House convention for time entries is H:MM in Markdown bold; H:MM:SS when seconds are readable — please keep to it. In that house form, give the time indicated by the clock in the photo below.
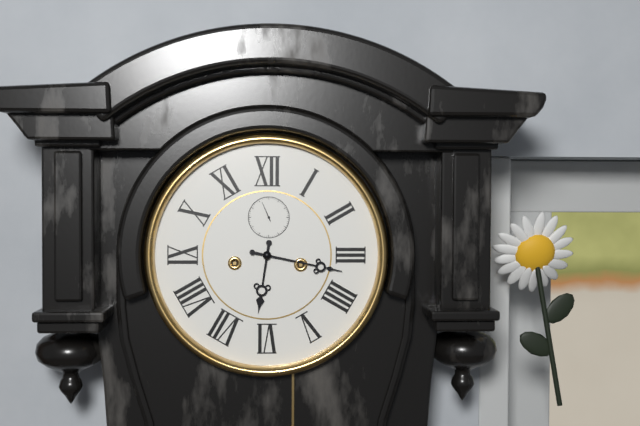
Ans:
**6:17**
